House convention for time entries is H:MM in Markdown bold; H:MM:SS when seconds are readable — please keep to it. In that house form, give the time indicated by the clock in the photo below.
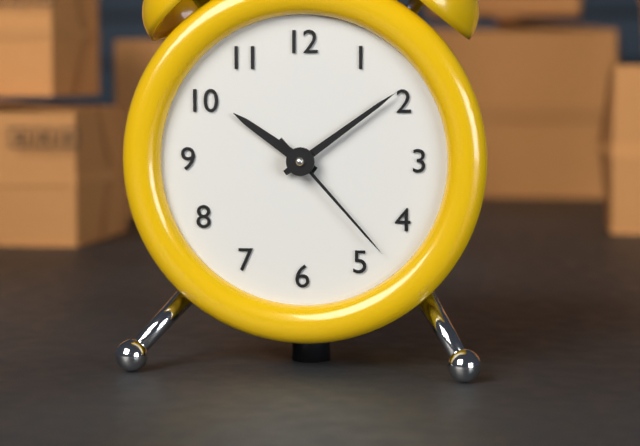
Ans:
**10:09:23**
